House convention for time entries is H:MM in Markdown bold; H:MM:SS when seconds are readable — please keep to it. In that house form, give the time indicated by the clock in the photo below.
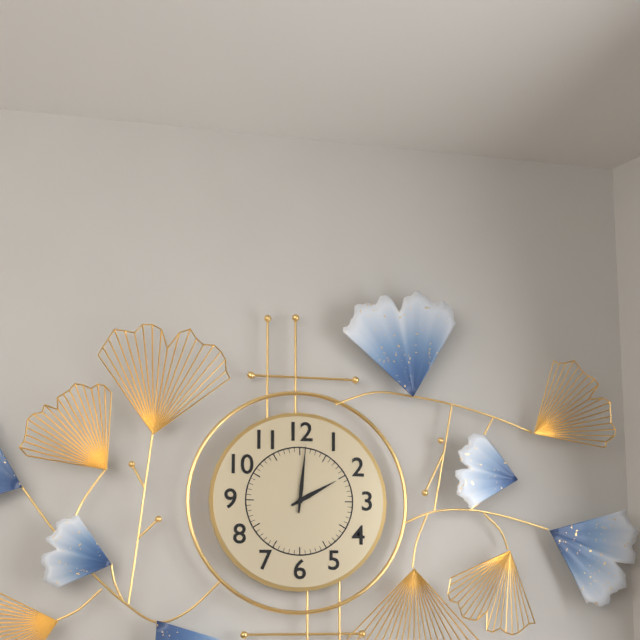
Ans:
**2:01**
